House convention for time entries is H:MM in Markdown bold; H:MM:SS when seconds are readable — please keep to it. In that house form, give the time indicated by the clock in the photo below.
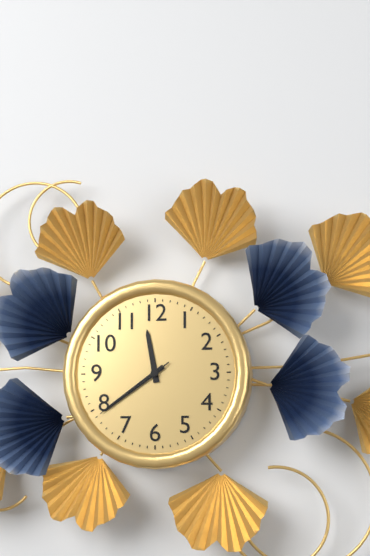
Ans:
**11:39:39**
